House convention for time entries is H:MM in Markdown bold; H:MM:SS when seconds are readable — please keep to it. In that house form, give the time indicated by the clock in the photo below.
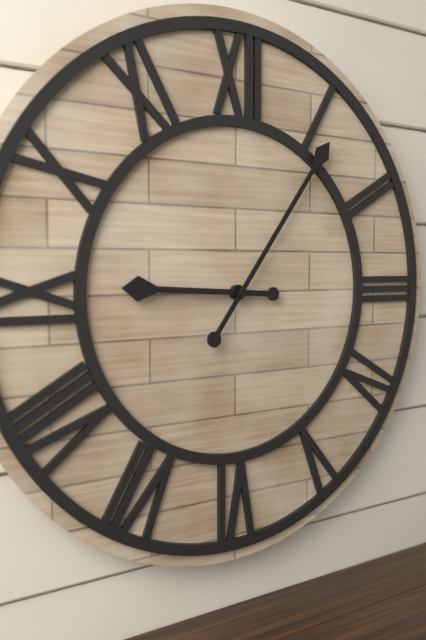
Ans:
**9:06**
